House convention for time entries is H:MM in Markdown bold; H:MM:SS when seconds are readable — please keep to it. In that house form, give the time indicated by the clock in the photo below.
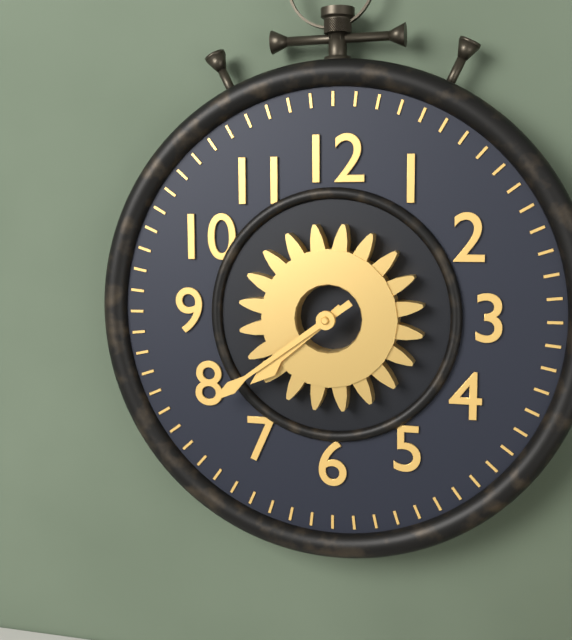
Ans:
**7:39**
